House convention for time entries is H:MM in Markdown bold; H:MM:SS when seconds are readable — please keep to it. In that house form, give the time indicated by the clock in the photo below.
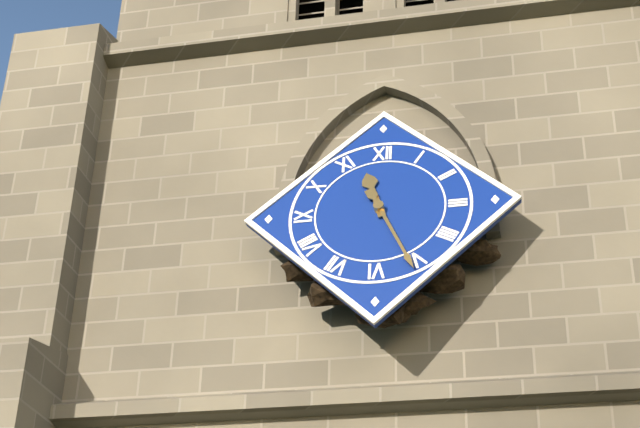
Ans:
**11:26**
